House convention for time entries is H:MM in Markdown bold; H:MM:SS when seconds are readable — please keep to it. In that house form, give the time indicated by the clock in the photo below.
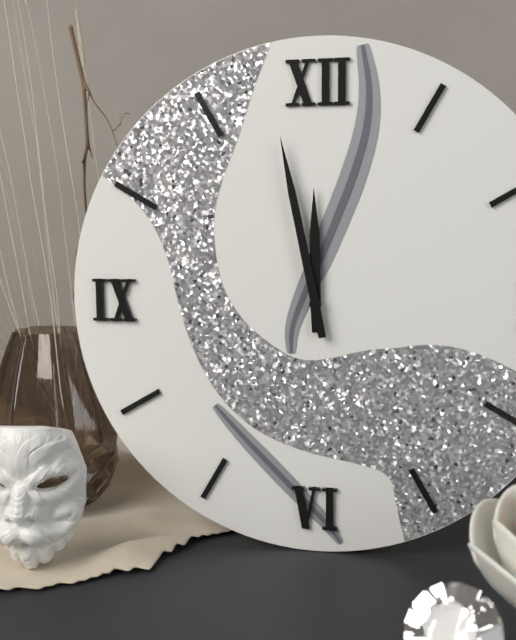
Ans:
**11:58**
